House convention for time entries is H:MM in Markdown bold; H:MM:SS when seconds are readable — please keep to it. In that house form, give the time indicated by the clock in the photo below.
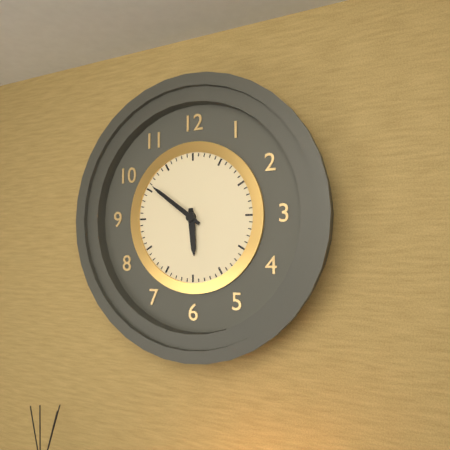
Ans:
**5:51**
